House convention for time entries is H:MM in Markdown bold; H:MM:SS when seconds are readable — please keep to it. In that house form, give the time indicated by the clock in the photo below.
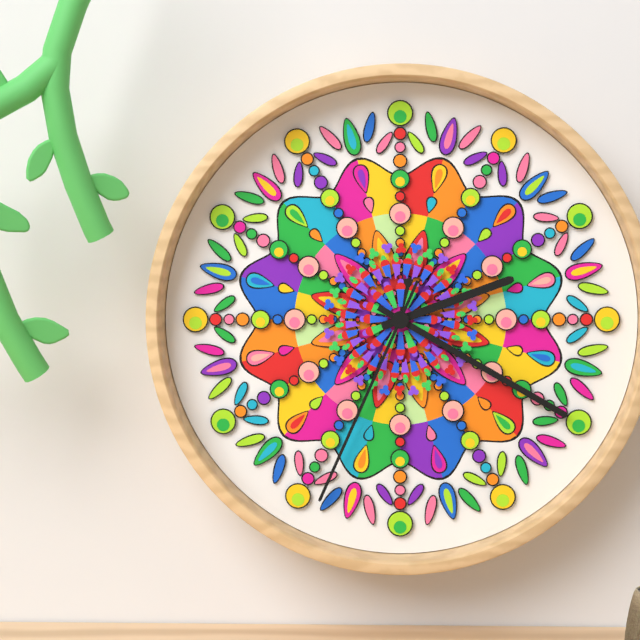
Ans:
**2:20:34**
